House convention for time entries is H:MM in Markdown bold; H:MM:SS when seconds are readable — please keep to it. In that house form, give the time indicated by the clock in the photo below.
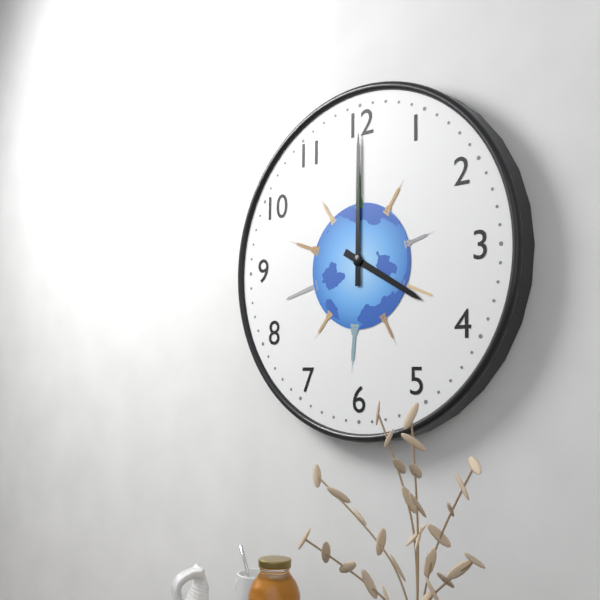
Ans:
**4:00**
